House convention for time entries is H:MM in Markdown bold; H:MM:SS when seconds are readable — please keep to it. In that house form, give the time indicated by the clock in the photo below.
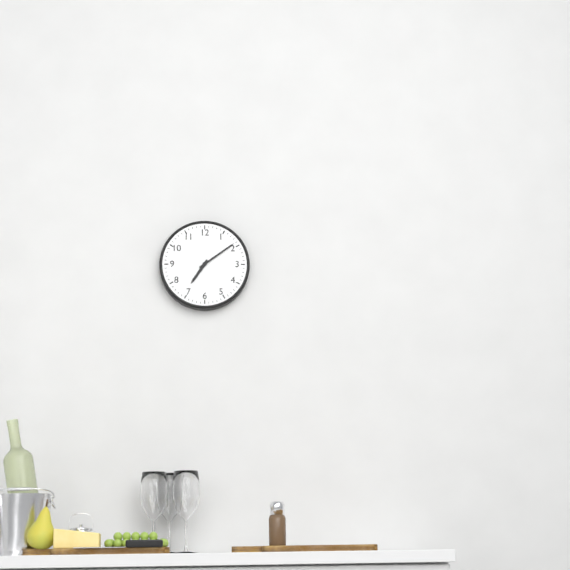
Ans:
**7:09**
